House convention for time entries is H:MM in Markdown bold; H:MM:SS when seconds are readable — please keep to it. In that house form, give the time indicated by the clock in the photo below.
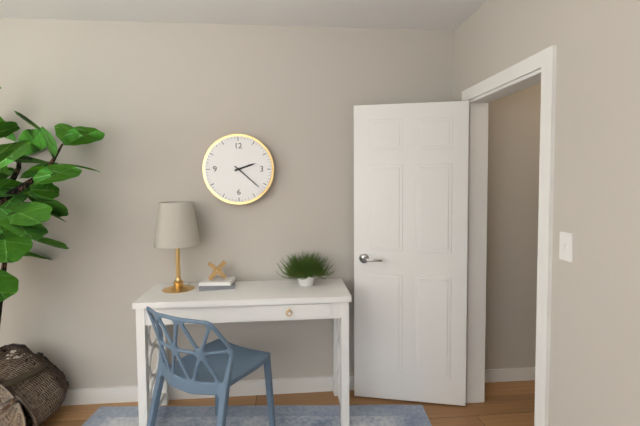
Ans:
**2:22**
